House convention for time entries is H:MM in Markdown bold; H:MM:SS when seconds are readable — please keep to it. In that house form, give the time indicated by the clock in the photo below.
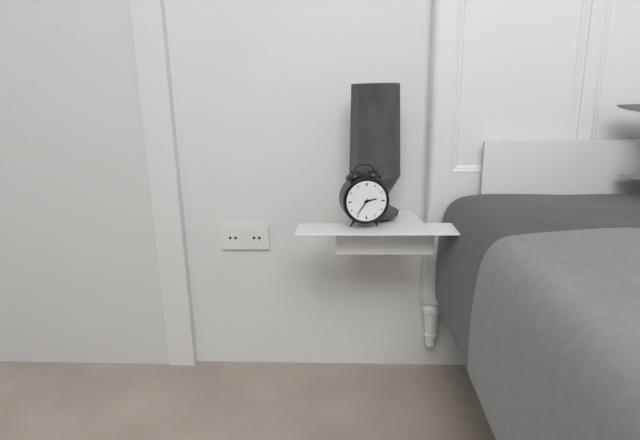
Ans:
**2:36**
